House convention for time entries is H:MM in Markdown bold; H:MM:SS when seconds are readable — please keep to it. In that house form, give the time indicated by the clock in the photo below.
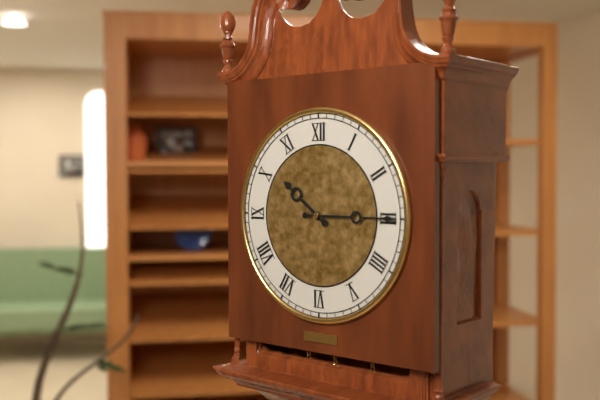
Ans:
**10:15**
